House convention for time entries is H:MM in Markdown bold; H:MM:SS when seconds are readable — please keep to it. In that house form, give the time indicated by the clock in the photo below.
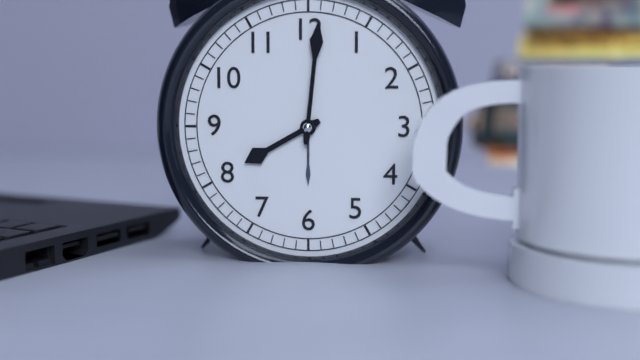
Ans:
**8:01**
